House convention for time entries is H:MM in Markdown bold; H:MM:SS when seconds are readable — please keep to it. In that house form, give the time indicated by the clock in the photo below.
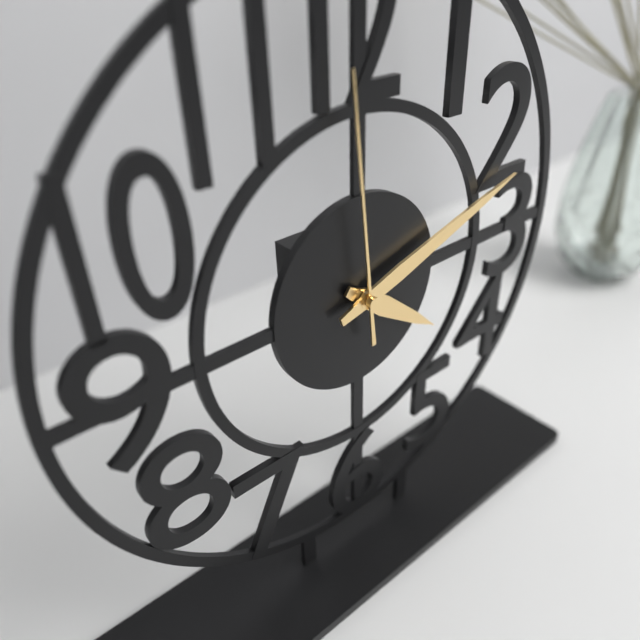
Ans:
**4:12:59**
